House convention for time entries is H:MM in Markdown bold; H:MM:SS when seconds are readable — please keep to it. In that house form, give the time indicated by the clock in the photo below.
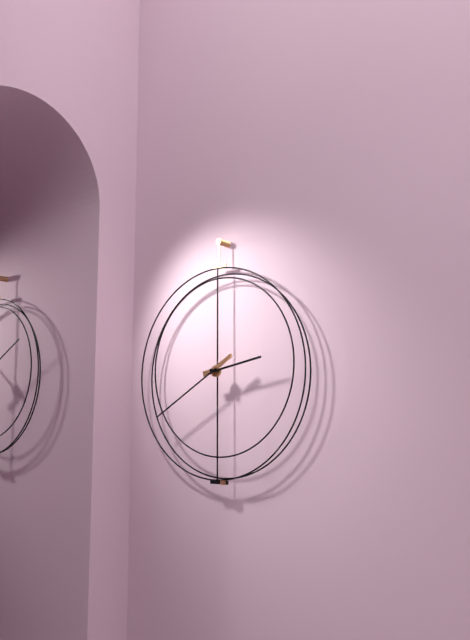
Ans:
**2:40**
